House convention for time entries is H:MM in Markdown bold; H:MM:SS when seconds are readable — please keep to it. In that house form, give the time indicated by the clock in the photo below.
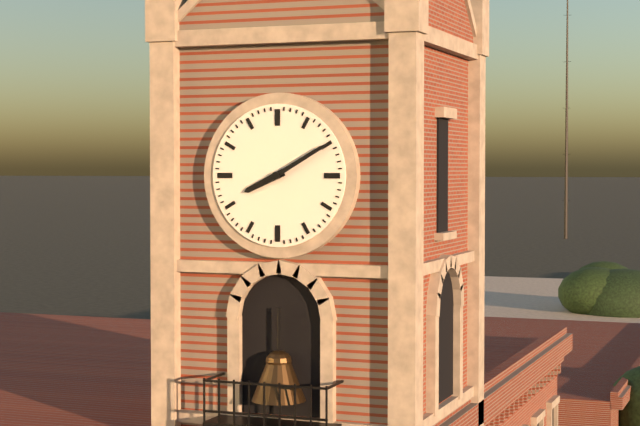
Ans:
**8:10**
